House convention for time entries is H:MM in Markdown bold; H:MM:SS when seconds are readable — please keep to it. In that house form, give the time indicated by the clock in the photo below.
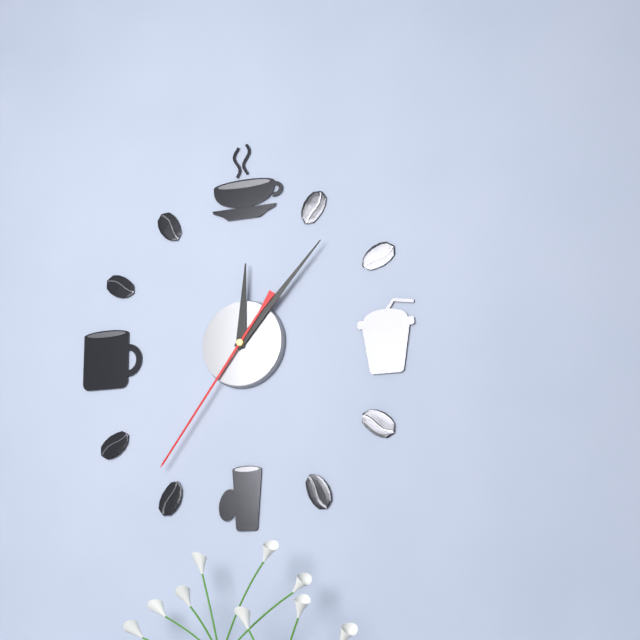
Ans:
**12:07:36**
